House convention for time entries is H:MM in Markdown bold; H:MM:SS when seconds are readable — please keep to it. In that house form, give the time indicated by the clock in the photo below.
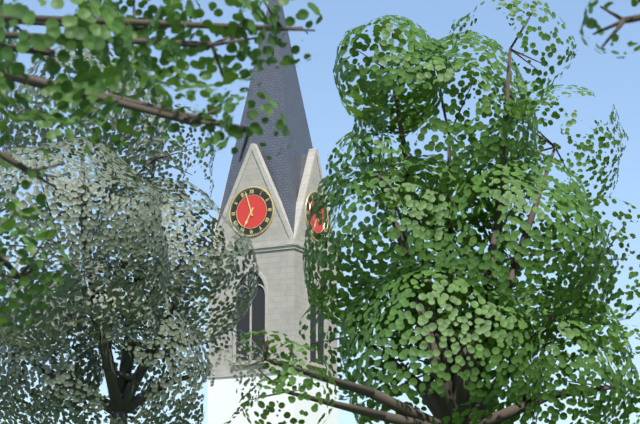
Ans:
**6:57**
